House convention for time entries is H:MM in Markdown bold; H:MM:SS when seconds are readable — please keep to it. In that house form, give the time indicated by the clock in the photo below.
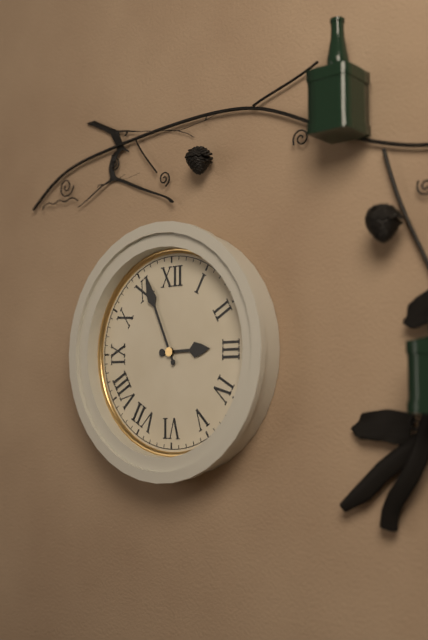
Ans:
**2:56**
